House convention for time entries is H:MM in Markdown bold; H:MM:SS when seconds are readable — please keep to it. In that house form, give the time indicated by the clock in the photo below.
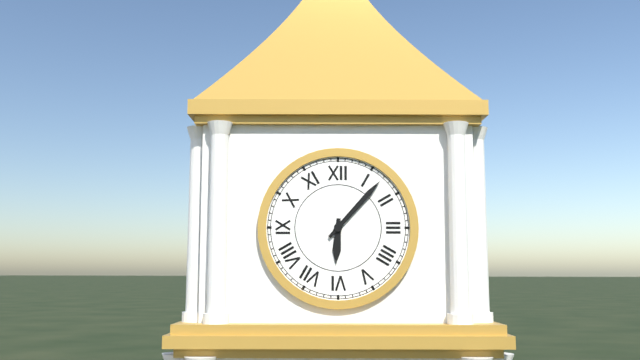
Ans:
**6:07**
